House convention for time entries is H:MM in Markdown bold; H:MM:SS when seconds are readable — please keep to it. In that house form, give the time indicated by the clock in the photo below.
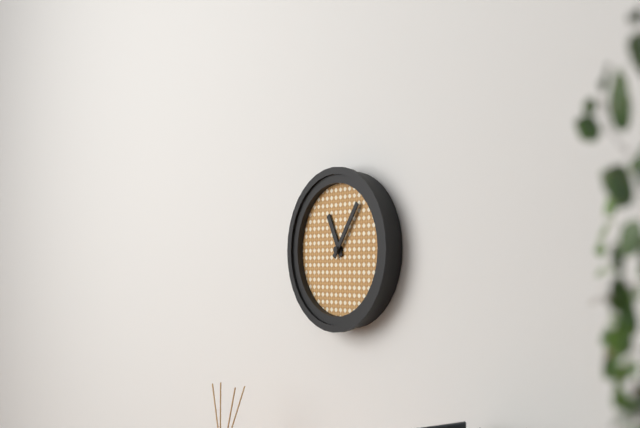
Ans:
**11:06**
